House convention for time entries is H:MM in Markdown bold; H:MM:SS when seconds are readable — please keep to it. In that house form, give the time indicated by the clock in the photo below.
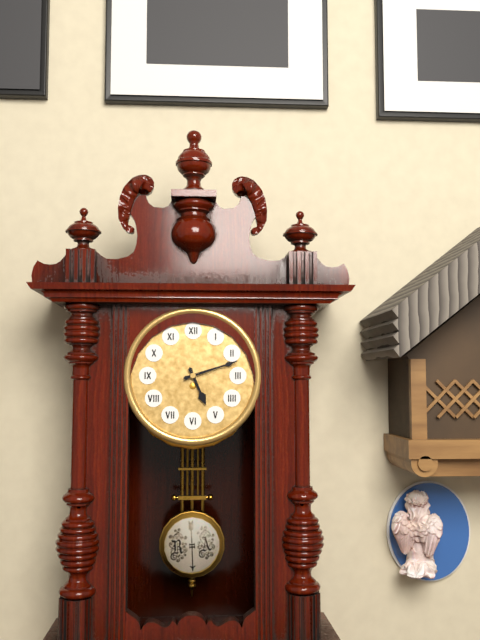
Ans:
**5:12**
